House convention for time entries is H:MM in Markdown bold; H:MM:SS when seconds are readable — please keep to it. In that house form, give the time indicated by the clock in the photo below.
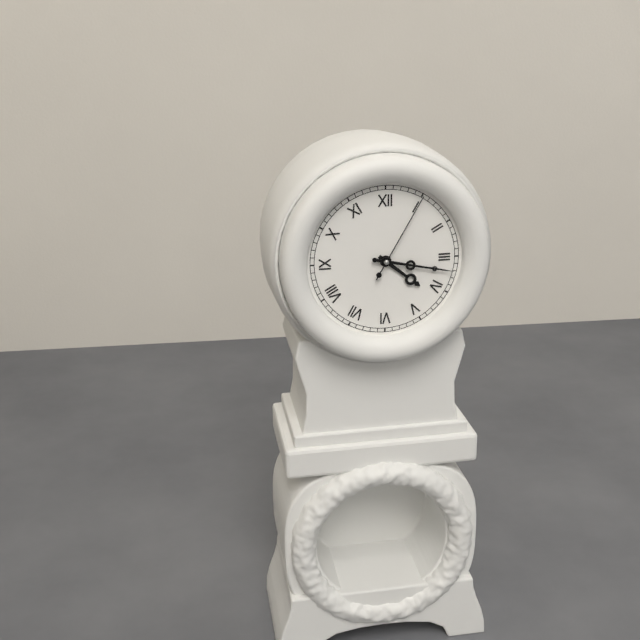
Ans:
**4:17:05**
